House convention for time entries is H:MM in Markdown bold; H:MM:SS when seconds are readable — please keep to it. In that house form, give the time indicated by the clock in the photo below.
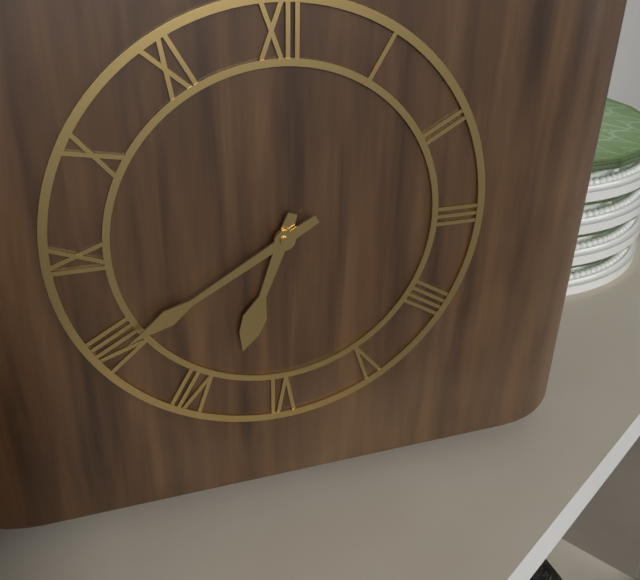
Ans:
**6:40**
